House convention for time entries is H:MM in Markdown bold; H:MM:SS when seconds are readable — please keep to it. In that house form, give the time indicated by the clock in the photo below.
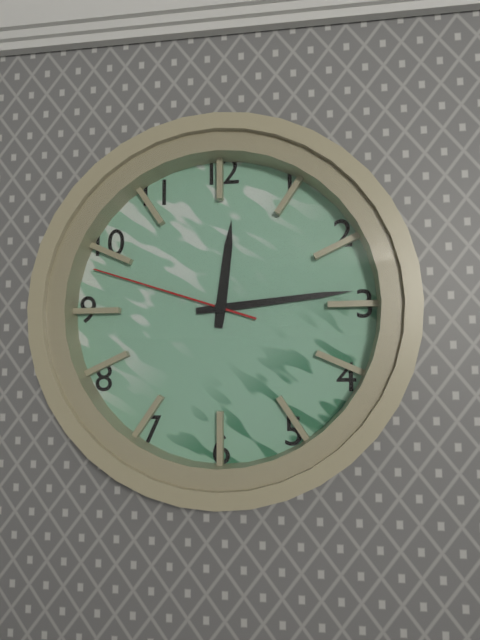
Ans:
**12:14:48**
